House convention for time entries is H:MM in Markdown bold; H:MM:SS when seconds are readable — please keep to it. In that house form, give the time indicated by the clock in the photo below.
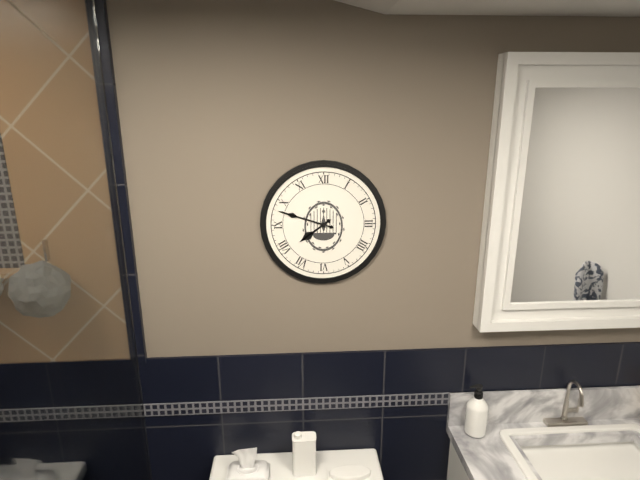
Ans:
**7:48**
